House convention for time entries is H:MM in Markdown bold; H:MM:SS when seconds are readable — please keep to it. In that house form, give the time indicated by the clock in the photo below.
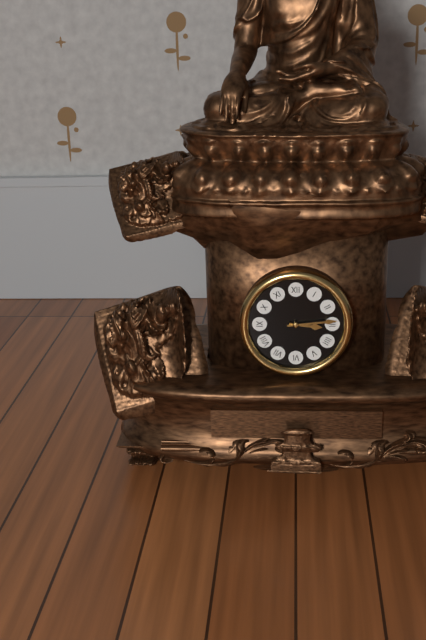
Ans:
**3:14**
